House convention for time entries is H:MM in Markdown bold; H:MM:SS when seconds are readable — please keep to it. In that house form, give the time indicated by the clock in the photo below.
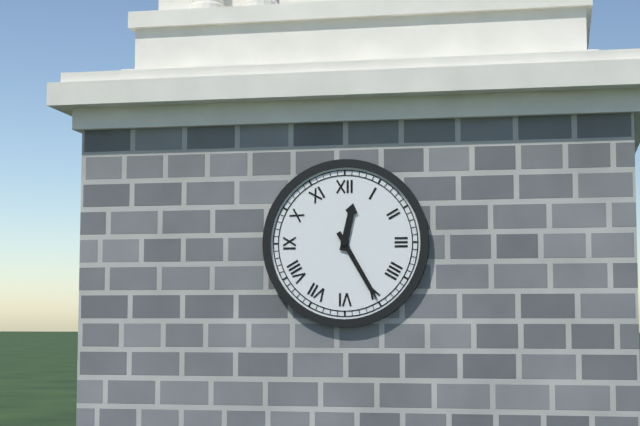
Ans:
**12:25**
